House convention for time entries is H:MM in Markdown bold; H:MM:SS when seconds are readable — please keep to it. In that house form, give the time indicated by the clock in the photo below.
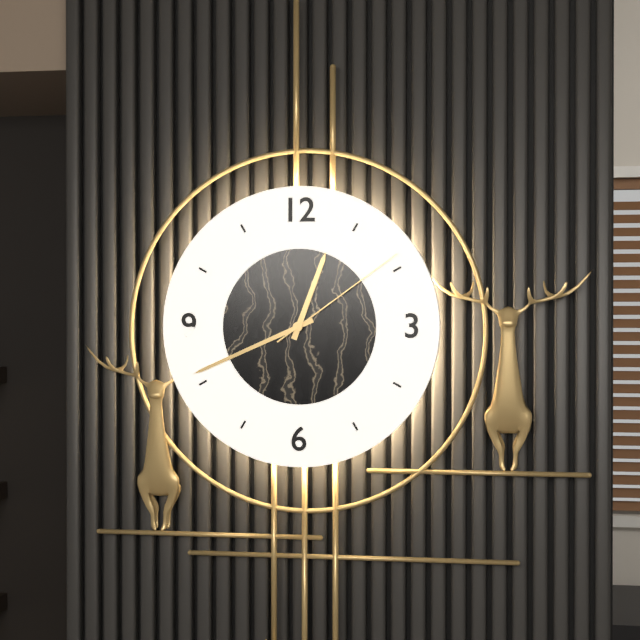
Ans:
**12:41:09**
